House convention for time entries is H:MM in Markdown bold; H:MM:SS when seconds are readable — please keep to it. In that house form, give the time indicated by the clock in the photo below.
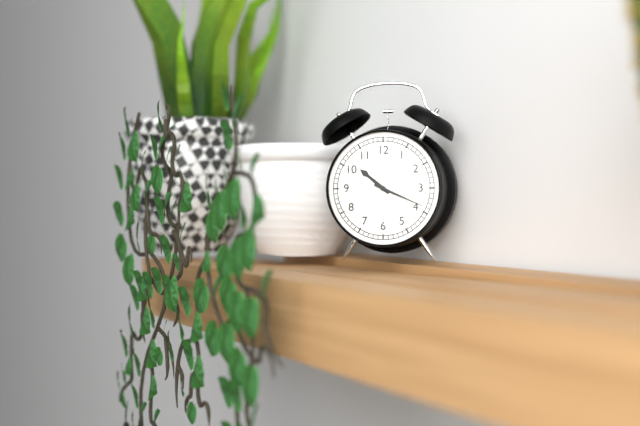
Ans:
**10:19**
